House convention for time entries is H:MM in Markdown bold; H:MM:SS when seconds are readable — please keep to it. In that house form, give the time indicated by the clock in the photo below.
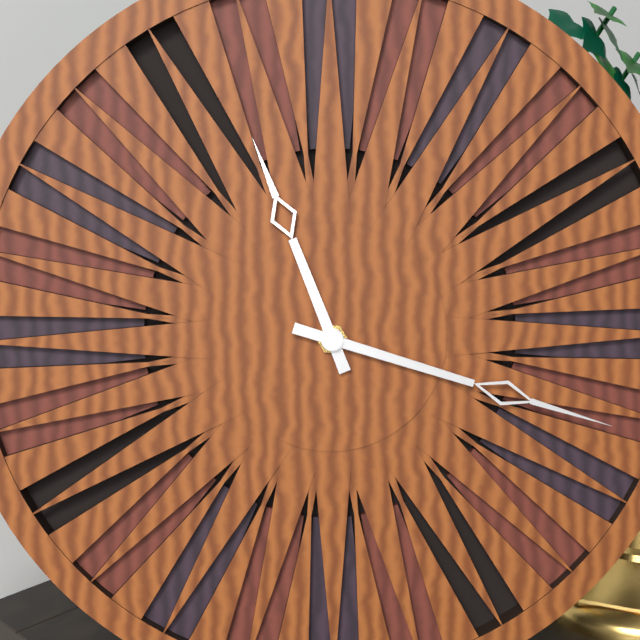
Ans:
**11:18**
